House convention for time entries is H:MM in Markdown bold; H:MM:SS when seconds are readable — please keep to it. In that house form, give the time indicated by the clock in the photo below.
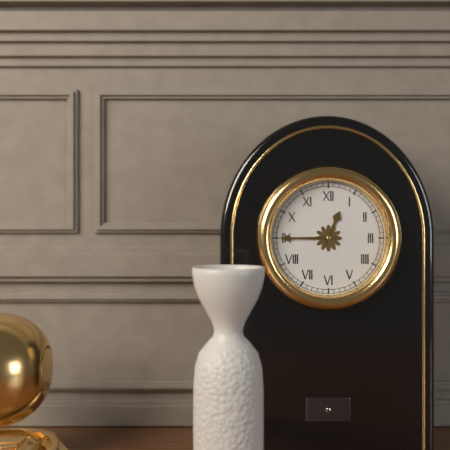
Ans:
**12:45**
